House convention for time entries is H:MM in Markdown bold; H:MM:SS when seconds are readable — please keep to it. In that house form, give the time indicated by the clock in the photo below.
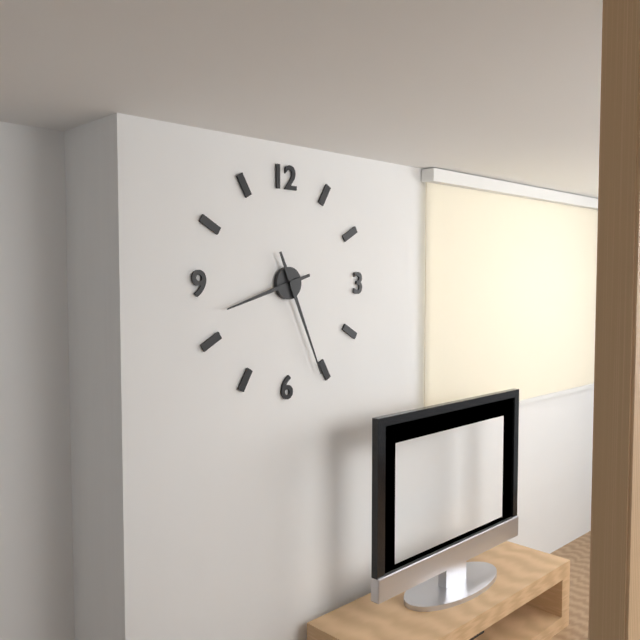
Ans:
**8:26**
